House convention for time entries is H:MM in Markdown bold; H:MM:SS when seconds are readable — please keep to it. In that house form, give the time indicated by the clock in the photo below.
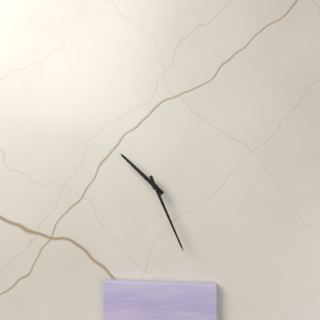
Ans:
**10:26**
